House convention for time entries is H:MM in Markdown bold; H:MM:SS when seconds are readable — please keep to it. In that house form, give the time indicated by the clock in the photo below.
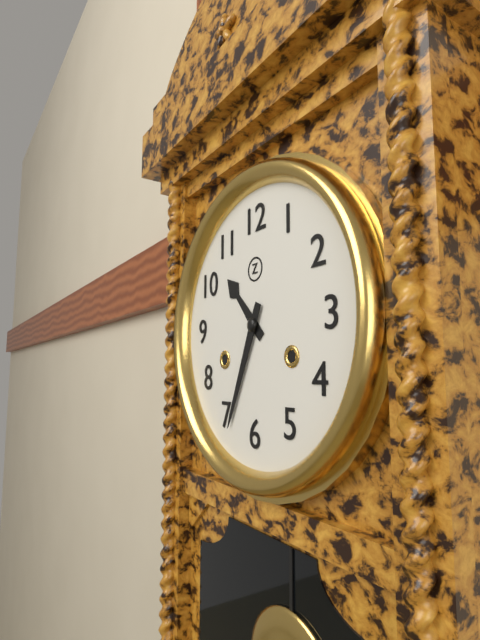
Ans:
**10:34**
